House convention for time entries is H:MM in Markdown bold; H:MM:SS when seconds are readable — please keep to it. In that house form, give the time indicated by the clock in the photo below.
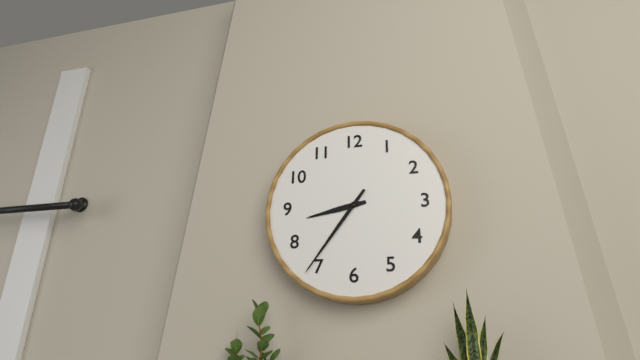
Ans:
**8:36**
